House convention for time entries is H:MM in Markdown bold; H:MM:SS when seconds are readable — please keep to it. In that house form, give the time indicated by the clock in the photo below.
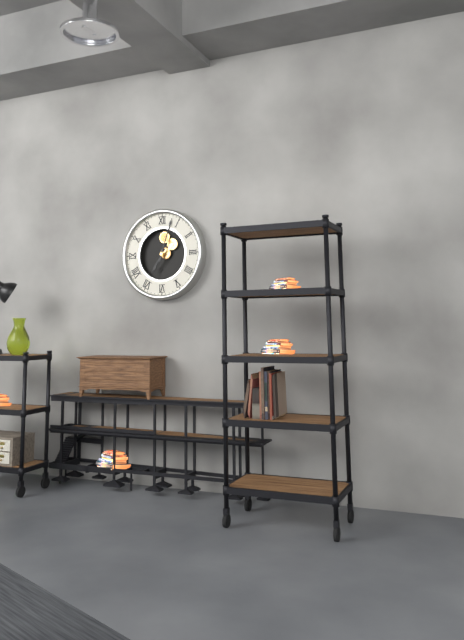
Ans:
**7:03**
